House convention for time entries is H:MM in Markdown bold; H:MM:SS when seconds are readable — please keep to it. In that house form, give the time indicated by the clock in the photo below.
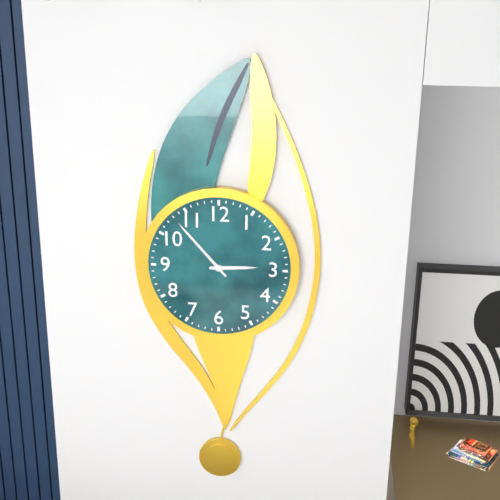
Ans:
**2:53**
